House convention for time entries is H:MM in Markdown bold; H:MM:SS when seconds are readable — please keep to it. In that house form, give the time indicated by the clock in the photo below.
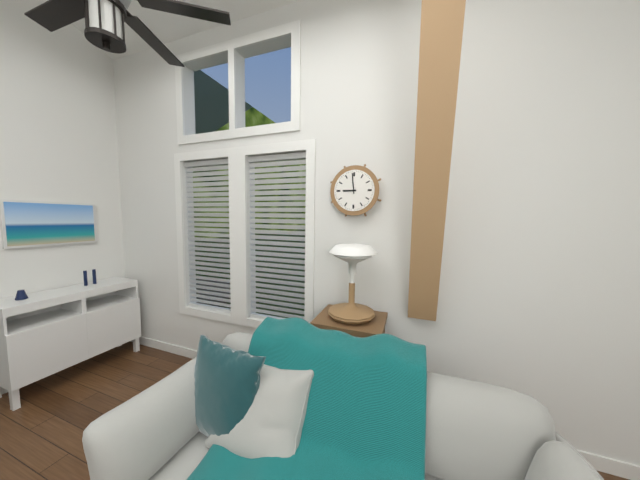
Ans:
**8:59**
